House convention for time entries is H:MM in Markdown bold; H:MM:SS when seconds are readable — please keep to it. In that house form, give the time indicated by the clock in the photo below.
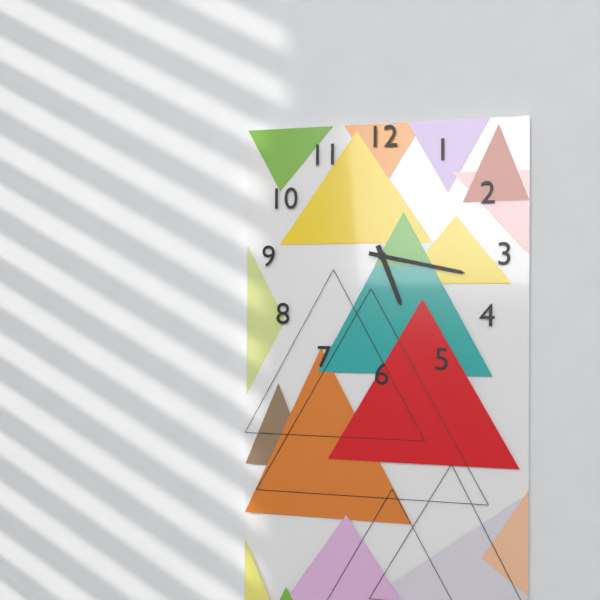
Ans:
**5:17**
